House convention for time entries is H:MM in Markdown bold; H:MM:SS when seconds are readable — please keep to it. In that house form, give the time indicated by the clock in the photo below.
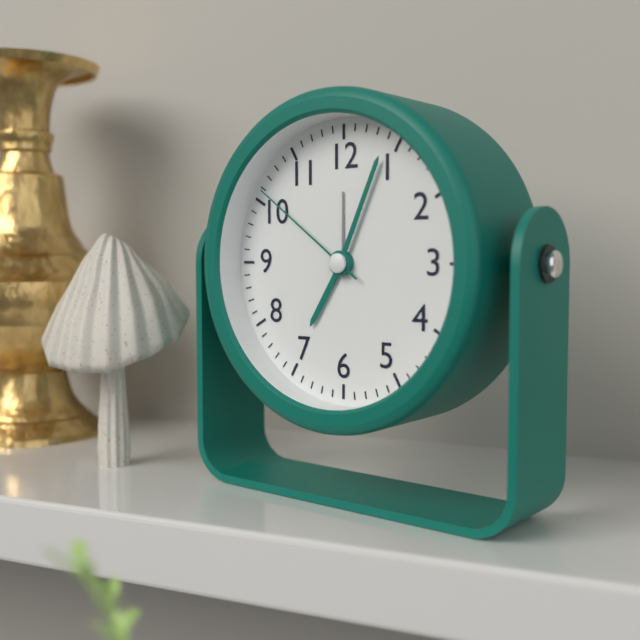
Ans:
**7:04:51**
